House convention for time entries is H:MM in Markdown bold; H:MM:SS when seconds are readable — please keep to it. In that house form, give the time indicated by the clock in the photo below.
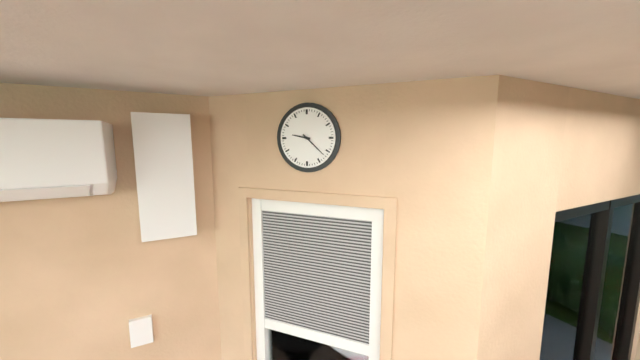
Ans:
**9:22**
